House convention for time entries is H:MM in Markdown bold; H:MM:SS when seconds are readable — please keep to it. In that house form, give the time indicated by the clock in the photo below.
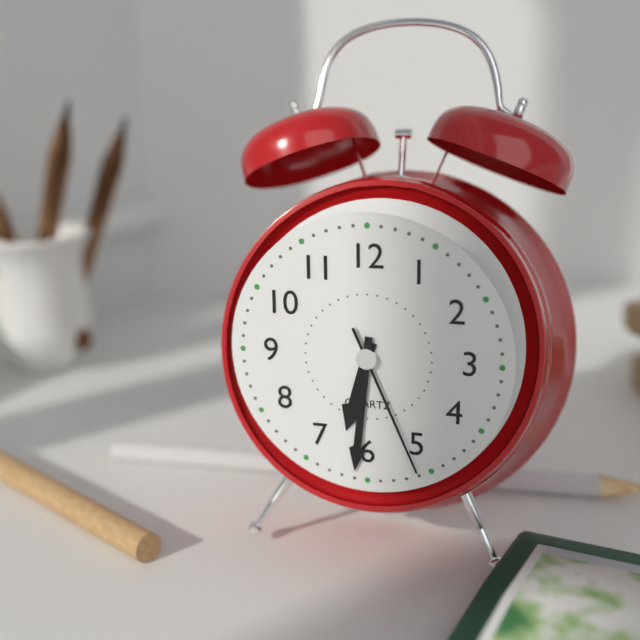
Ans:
**6:31:26**
